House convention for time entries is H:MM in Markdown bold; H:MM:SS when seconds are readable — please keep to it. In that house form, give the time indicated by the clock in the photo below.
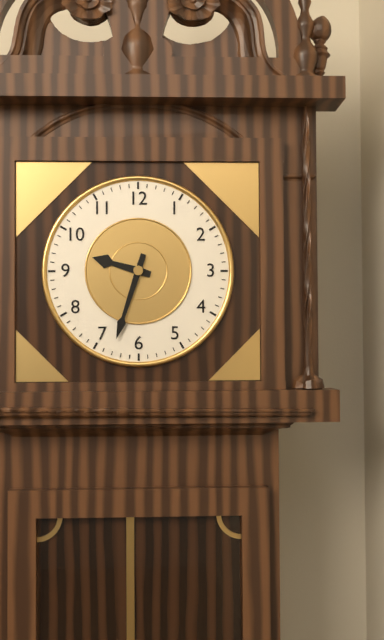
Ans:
**9:33**
